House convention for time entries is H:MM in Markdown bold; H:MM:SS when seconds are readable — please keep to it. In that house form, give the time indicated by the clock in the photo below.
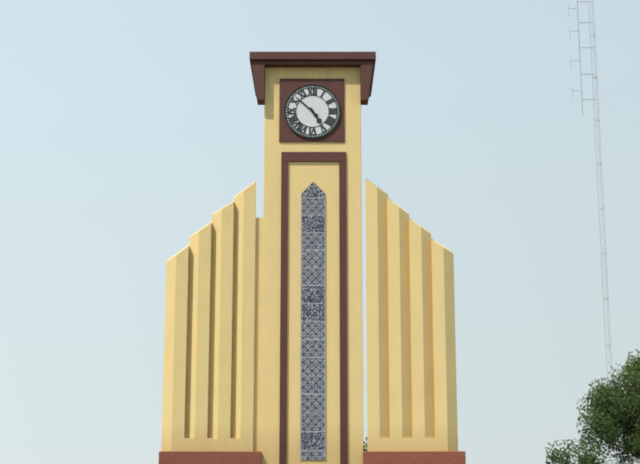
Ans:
**4:52**
